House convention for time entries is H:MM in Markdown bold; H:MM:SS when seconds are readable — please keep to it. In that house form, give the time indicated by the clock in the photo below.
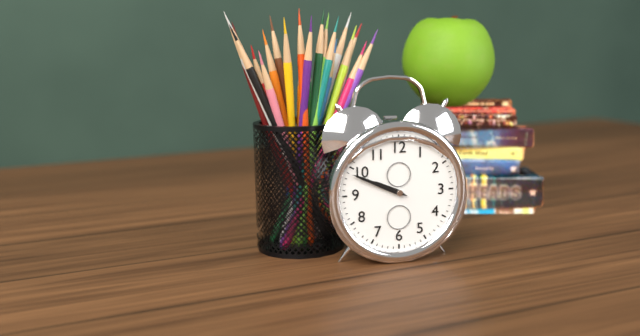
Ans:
**9:49**
